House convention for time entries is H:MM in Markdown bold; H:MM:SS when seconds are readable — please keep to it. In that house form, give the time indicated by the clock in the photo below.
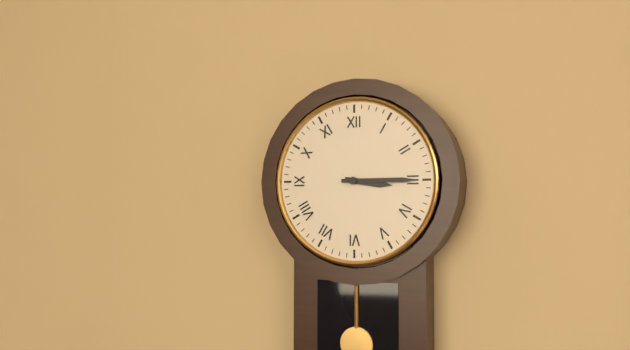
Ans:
**3:15**
